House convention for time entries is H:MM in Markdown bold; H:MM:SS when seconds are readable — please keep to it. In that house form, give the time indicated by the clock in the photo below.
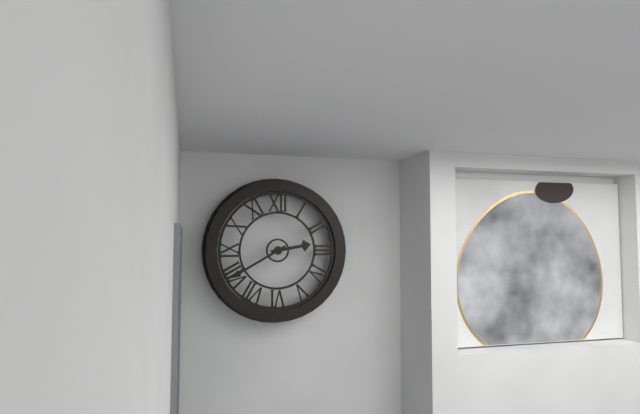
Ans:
**2:40**
